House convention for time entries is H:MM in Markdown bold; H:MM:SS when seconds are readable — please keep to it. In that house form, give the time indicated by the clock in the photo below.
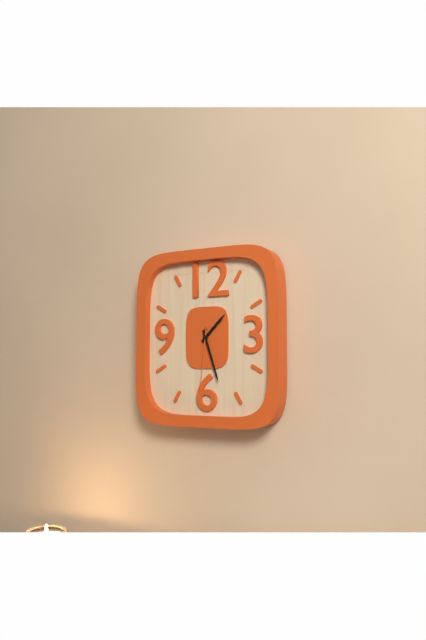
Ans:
**1:27:31**
